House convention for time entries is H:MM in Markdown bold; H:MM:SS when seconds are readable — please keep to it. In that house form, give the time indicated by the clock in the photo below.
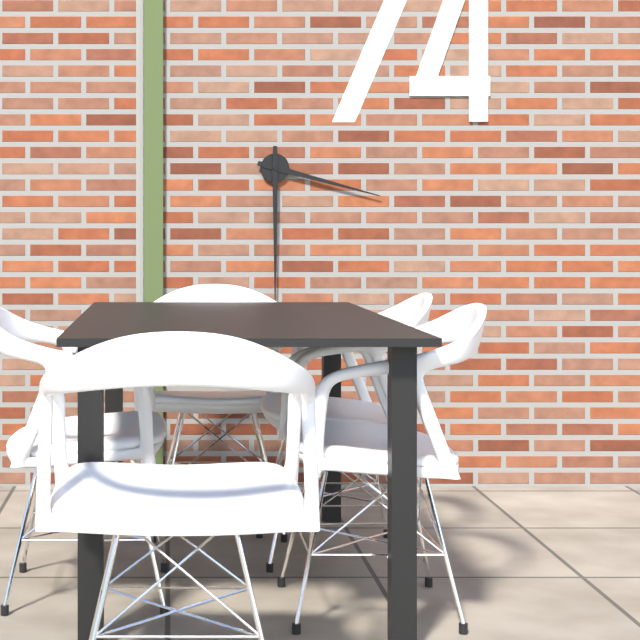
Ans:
**3:30**
